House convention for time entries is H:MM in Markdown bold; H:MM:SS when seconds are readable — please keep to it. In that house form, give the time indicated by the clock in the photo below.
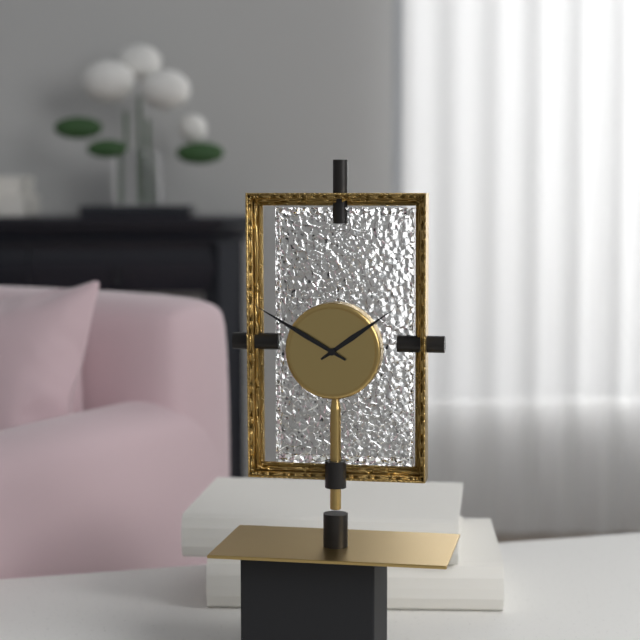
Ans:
**1:50**
